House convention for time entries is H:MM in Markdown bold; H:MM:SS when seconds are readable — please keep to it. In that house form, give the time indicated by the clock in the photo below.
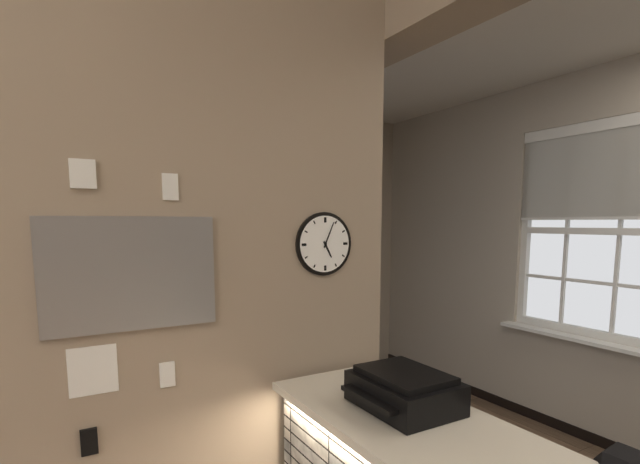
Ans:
**5:04**
